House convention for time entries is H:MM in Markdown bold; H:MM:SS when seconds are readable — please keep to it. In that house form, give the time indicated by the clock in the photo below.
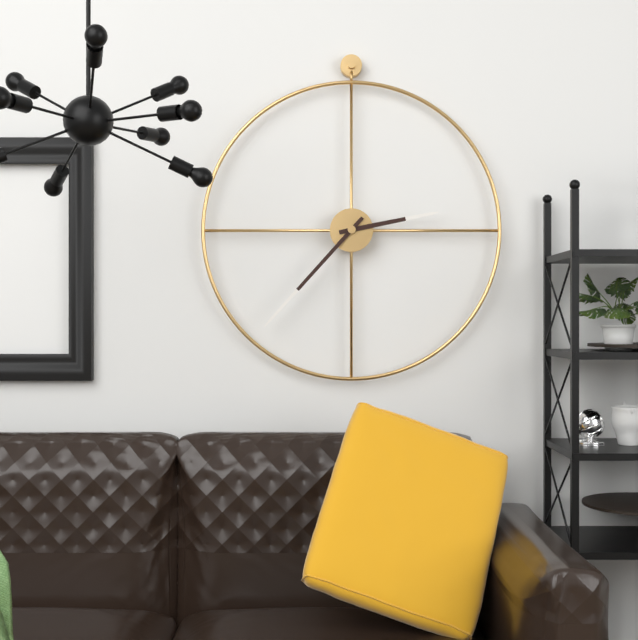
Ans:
**2:37**
